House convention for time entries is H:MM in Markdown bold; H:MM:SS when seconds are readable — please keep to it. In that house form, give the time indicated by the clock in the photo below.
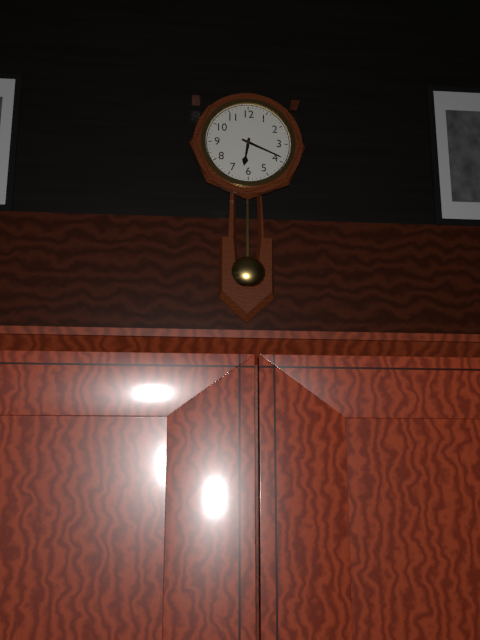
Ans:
**6:19**
